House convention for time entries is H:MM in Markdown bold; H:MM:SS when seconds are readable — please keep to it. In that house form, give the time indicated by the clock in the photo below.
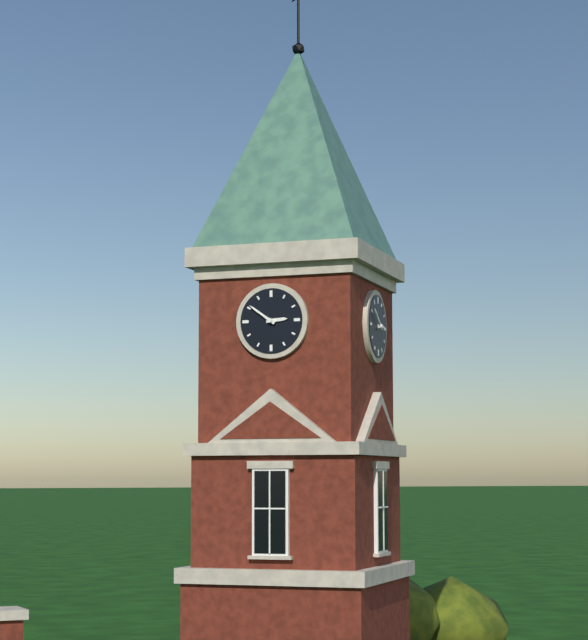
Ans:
**2:51**
